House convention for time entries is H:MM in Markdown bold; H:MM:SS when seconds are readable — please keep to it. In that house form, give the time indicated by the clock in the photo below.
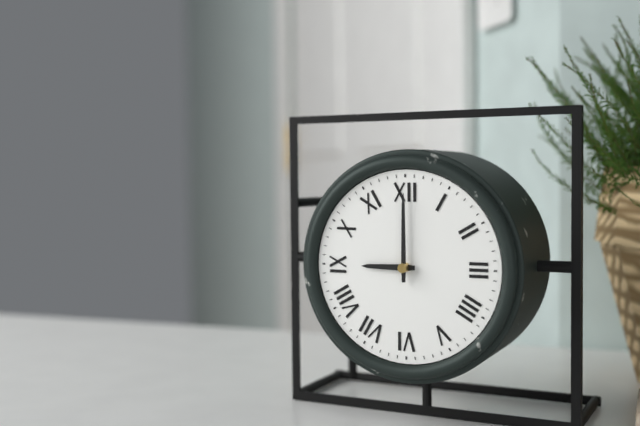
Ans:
**9:00**
